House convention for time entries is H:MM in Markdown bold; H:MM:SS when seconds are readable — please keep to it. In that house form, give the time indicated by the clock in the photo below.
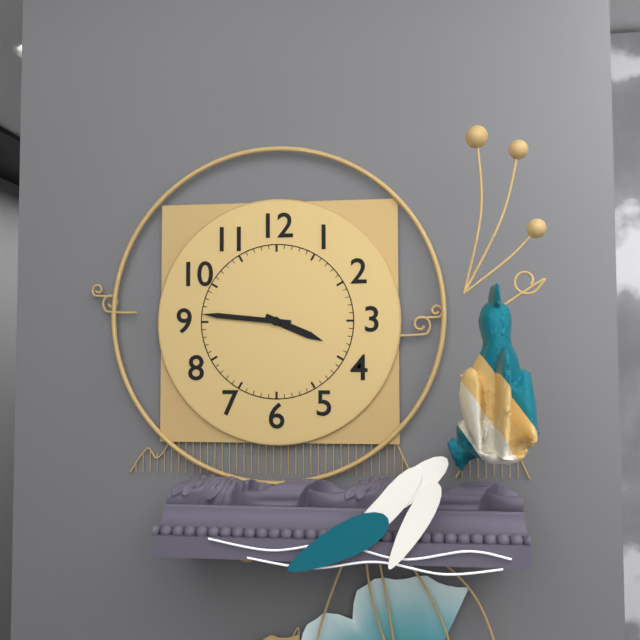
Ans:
**3:46**
